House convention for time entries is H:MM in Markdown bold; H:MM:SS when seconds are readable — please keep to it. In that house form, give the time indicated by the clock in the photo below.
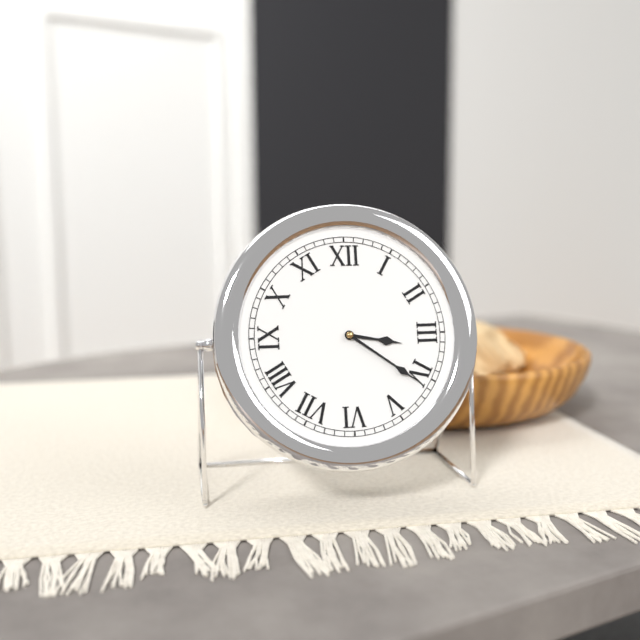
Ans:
**3:21**
